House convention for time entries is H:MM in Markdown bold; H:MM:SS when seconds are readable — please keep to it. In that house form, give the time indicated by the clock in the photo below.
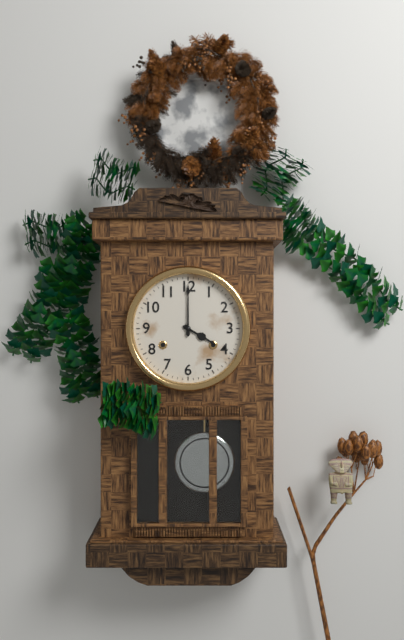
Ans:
**4:00**
